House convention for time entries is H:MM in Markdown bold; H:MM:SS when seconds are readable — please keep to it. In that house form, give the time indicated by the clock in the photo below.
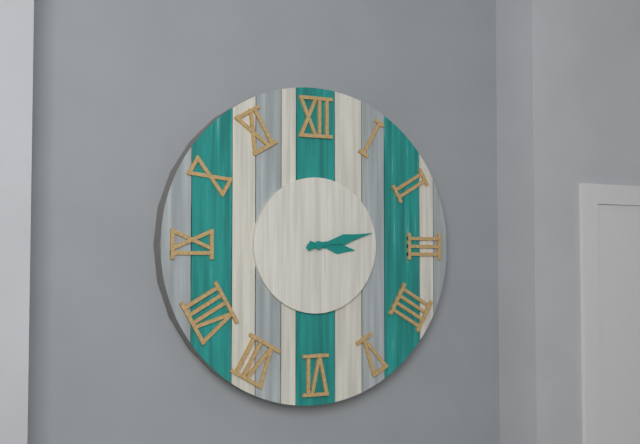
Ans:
**3:13**
